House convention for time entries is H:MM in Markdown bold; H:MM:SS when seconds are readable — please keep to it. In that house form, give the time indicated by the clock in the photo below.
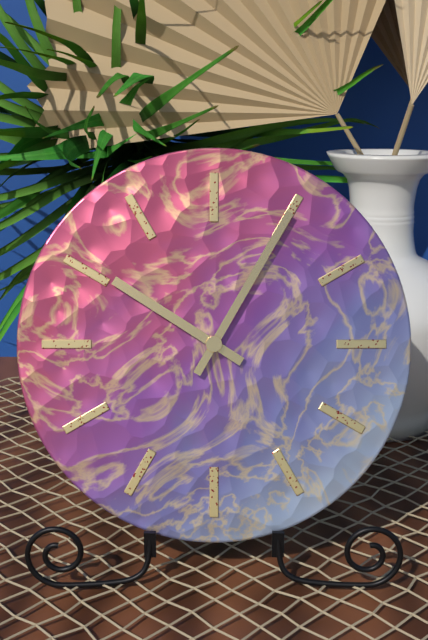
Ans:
**10:05**
